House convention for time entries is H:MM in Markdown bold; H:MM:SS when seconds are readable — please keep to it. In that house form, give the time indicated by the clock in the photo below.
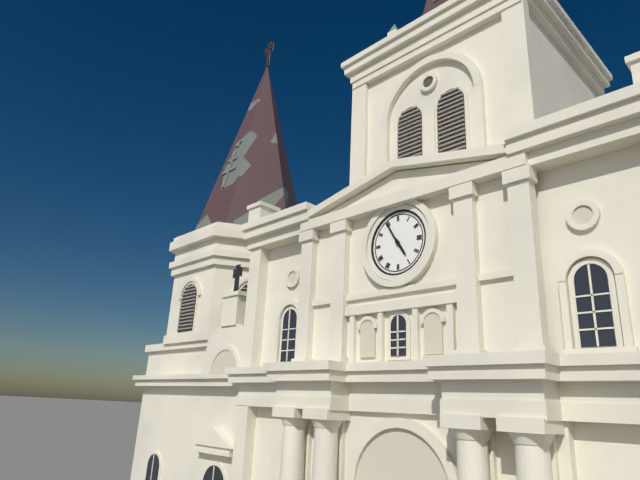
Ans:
**4:55**
